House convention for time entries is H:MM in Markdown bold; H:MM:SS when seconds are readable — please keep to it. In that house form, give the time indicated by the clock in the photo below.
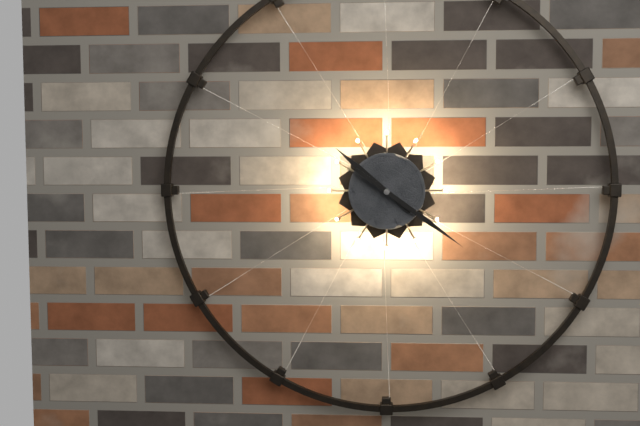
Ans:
**10:21**
